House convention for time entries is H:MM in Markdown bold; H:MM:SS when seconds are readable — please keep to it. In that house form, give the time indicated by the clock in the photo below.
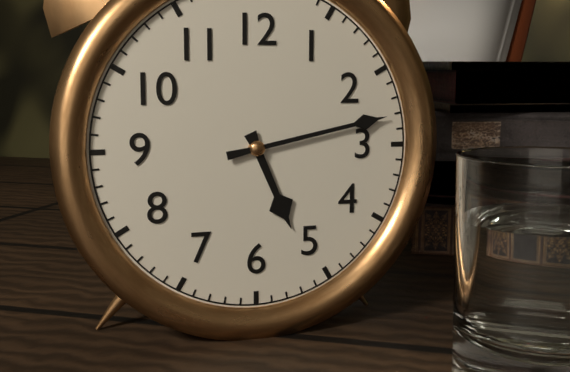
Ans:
**5:13**
